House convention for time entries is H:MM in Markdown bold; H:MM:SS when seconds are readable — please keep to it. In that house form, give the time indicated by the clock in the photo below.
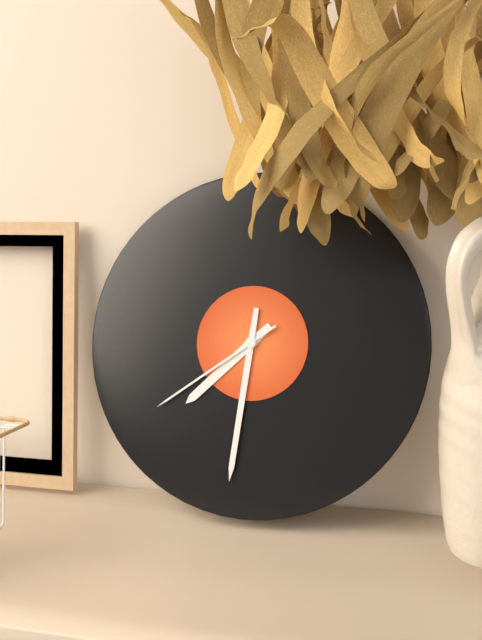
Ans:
**7:31:39**
